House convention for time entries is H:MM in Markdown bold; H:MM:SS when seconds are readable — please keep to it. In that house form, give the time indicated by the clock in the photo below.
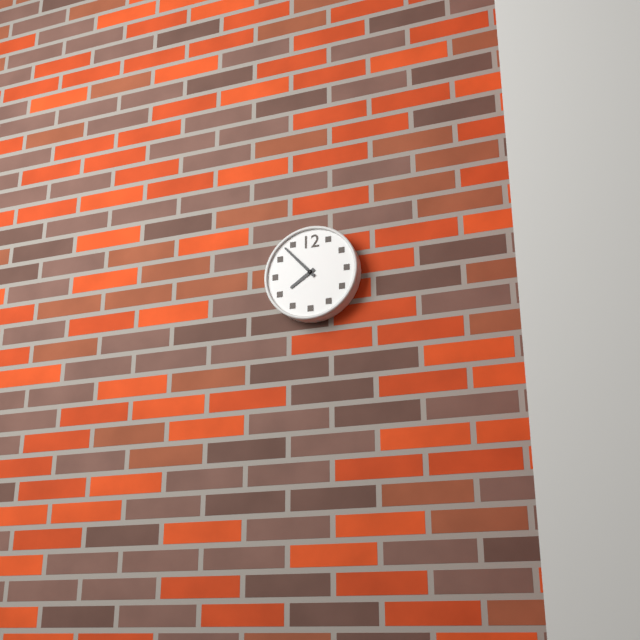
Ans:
**7:53**
